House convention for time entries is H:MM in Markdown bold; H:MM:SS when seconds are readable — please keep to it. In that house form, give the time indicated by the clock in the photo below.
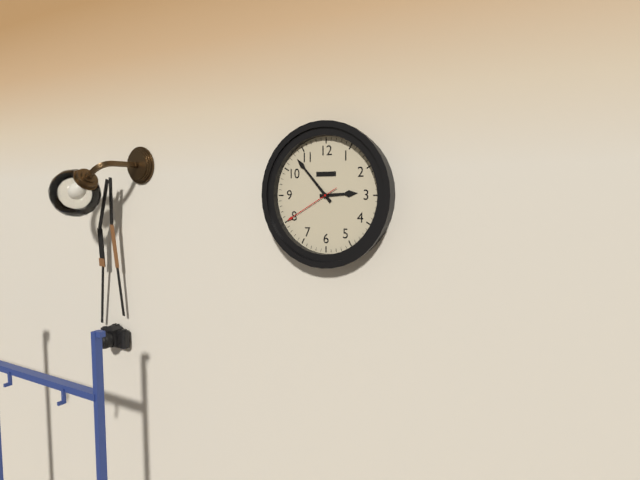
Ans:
**2:53:40**
